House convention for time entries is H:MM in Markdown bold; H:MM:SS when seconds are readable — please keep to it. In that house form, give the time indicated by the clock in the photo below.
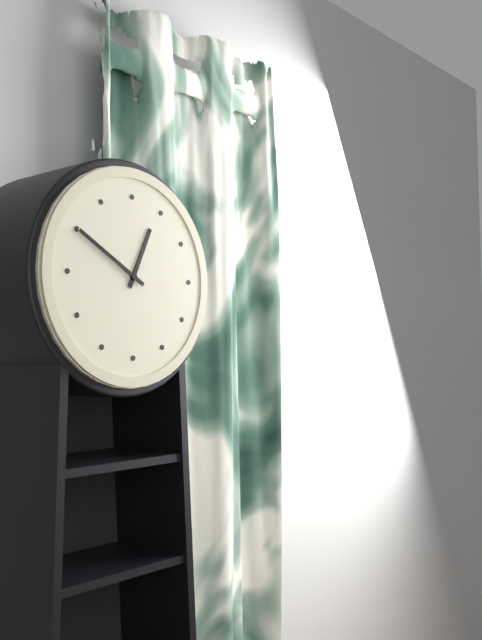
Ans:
**12:50**
